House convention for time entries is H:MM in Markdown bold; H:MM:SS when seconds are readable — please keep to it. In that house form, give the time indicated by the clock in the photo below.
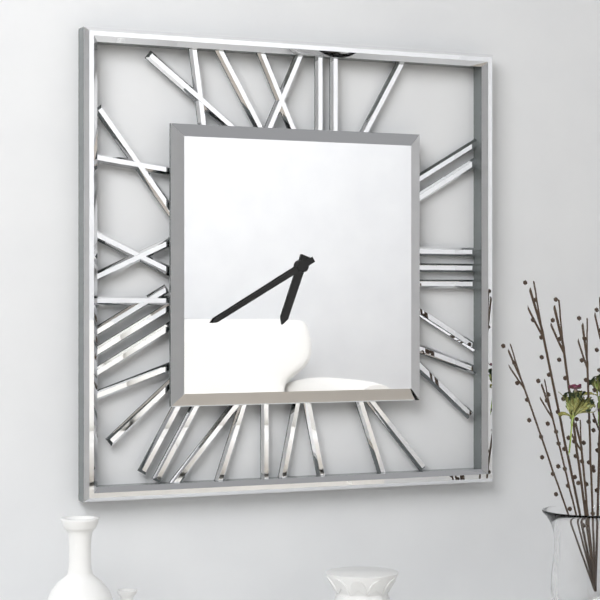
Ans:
**6:40**
